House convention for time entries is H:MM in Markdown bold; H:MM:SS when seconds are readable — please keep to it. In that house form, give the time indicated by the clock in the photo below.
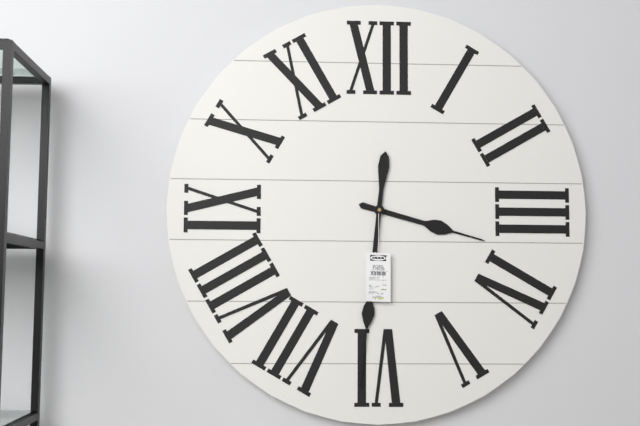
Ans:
**3:31**
